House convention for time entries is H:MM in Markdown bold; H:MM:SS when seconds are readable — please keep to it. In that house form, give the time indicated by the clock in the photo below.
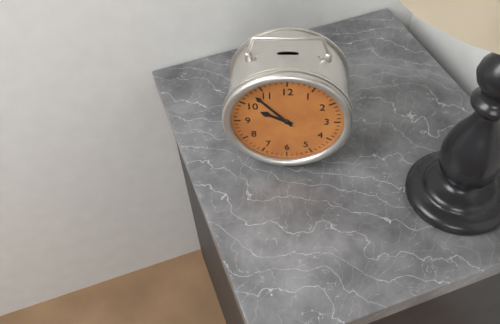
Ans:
**9:53**
